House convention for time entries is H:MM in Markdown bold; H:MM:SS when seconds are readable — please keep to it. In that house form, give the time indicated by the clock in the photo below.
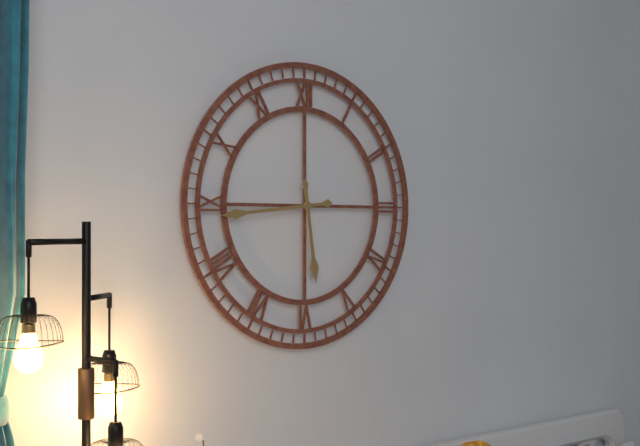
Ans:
**5:44**
